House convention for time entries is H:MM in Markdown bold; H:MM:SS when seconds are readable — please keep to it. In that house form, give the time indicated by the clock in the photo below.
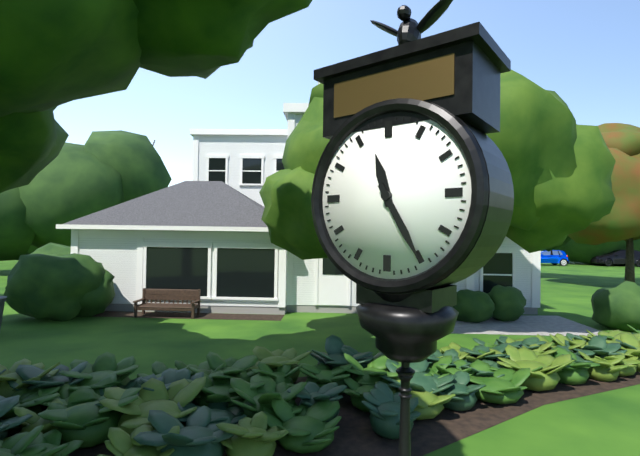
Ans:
**11:25**
